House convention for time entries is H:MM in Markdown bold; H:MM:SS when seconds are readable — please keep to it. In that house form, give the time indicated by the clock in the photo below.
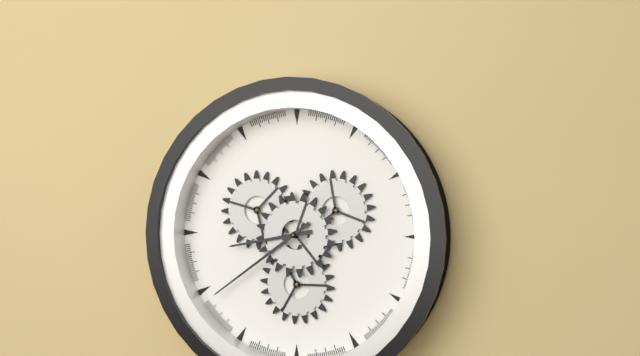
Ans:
**8:39**
